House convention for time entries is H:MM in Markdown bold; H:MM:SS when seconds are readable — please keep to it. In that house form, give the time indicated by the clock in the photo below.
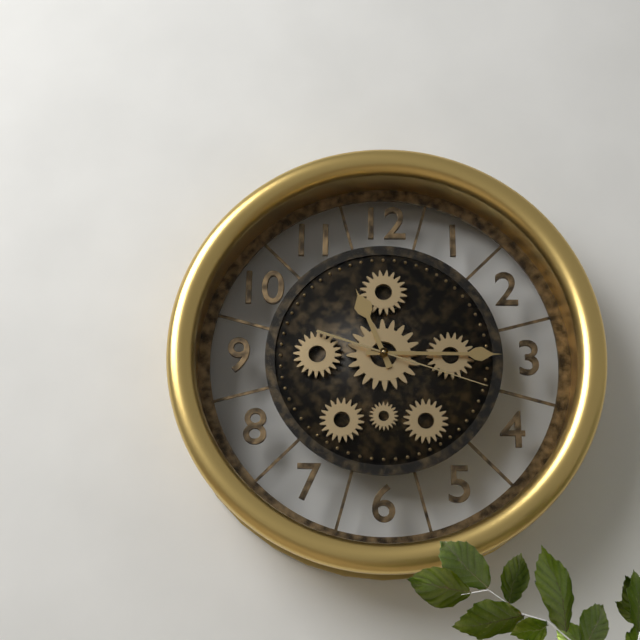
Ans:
**11:15:18**
